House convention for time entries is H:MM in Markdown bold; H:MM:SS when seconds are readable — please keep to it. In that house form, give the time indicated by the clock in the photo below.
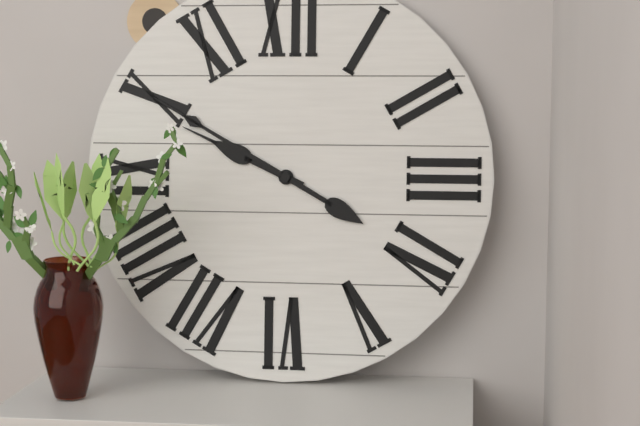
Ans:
**9:50**
